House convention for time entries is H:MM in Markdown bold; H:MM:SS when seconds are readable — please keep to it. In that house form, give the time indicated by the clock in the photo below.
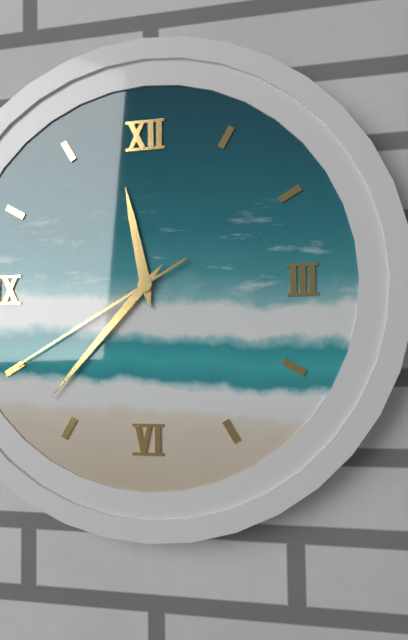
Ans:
**11:37:40**
